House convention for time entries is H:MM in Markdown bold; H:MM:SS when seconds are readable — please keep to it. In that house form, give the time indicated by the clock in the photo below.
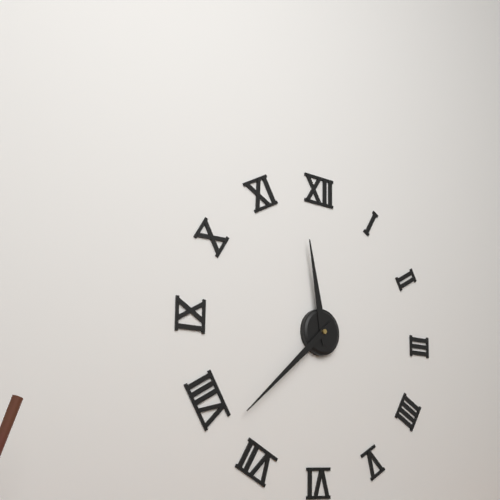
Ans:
**11:38**
